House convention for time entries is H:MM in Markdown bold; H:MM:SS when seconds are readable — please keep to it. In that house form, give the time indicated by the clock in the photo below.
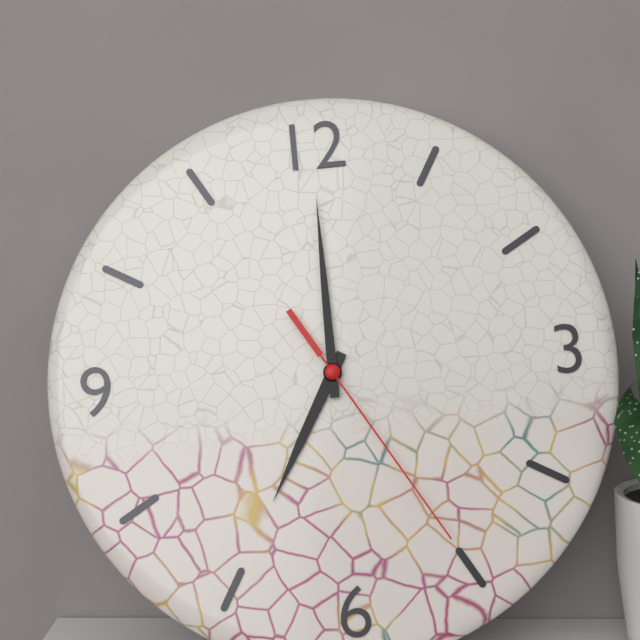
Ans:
**7:00:25**
